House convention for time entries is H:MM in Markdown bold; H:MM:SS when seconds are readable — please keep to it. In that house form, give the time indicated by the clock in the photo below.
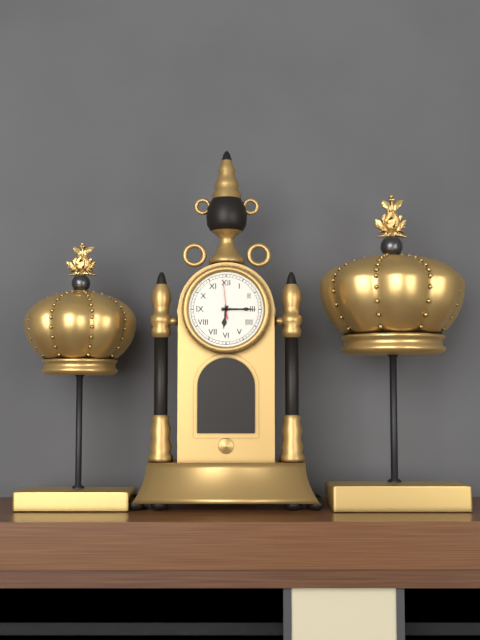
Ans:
**6:15**
